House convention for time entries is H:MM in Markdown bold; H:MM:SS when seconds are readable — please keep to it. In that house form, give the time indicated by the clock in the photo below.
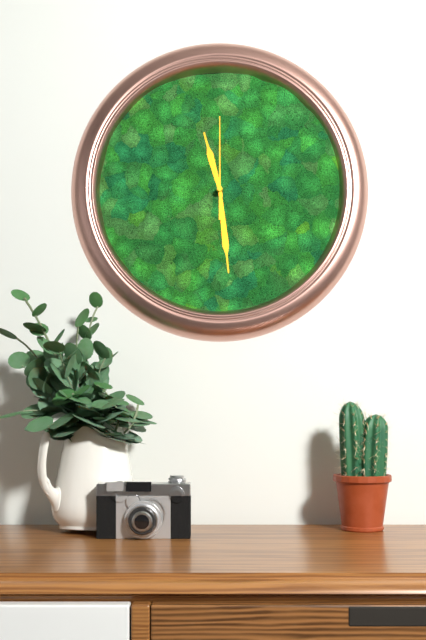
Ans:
**11:29:00**
